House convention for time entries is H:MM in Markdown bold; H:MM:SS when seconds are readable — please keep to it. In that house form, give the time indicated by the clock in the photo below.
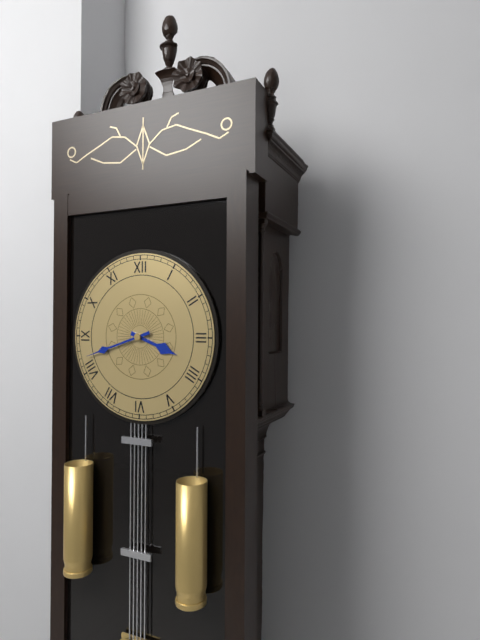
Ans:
**3:42**
